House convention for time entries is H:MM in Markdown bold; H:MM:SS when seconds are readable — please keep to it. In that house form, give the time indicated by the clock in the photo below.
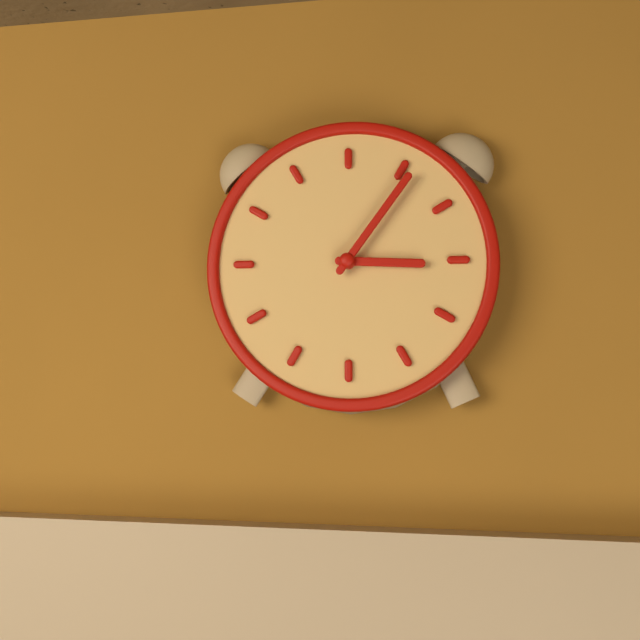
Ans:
**3:06**
